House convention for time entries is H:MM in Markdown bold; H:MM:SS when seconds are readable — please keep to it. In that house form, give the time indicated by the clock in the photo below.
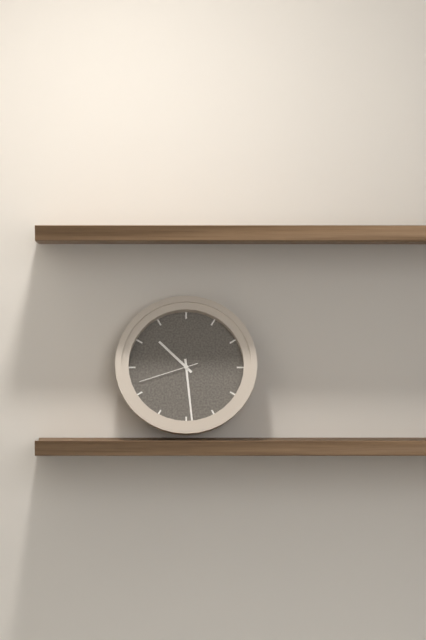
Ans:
**10:29:42**
